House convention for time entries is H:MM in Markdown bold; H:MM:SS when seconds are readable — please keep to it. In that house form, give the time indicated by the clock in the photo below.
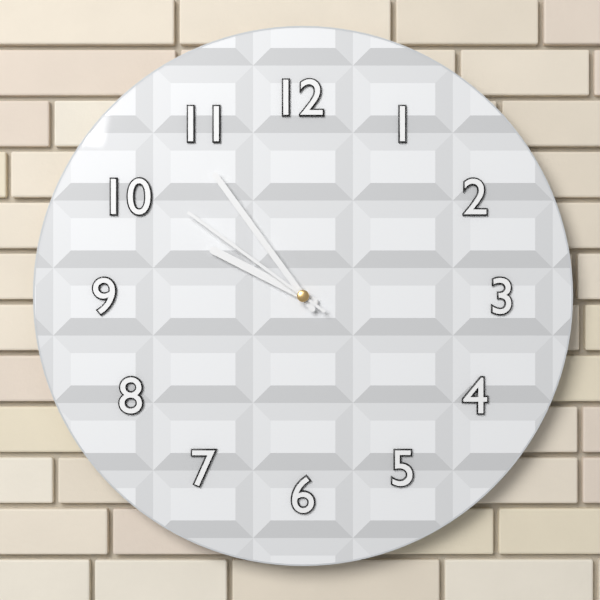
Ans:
**9:54:51**
